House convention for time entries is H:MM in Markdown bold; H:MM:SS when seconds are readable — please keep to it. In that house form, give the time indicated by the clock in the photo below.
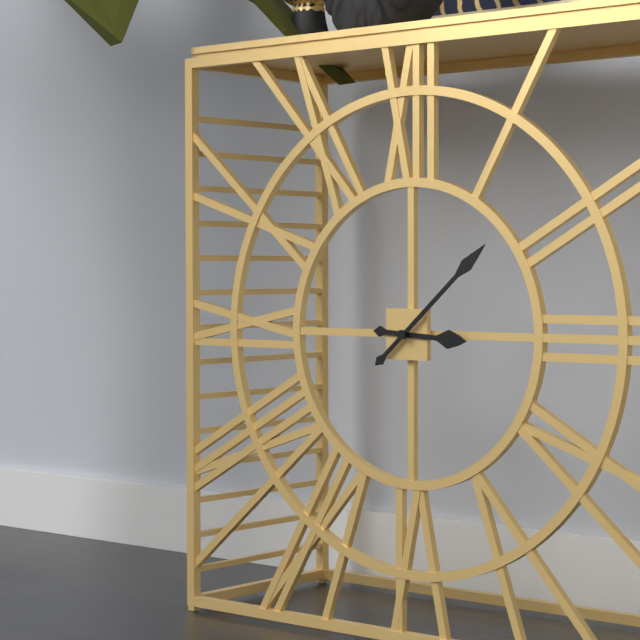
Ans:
**3:08**
